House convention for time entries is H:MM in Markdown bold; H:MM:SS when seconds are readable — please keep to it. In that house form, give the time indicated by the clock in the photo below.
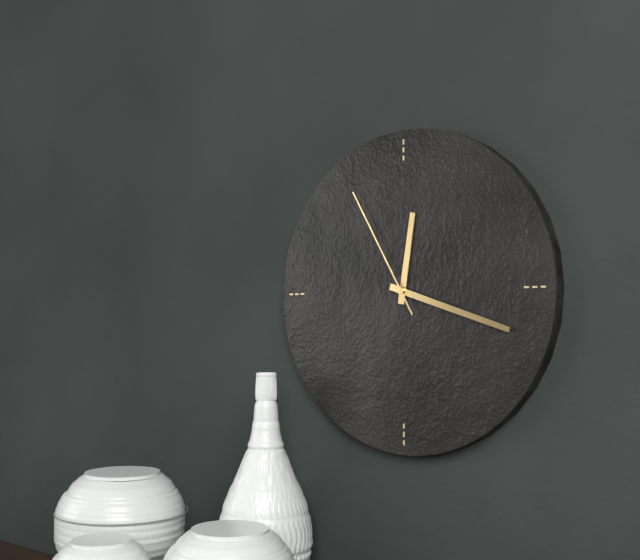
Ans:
**12:18:55**
